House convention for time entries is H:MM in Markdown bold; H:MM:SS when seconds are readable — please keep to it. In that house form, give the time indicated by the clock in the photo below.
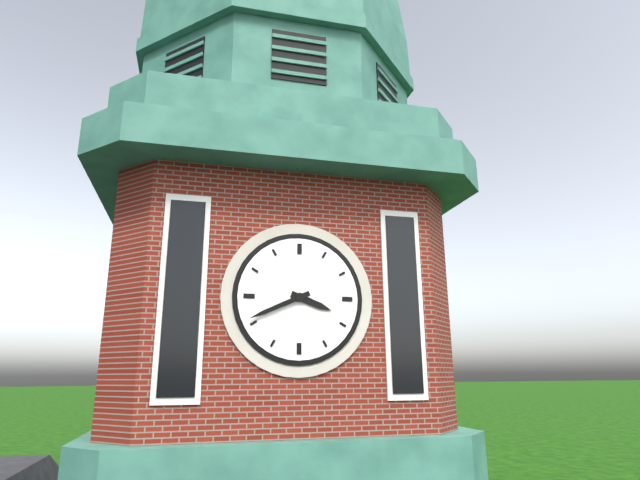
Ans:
**3:41**
